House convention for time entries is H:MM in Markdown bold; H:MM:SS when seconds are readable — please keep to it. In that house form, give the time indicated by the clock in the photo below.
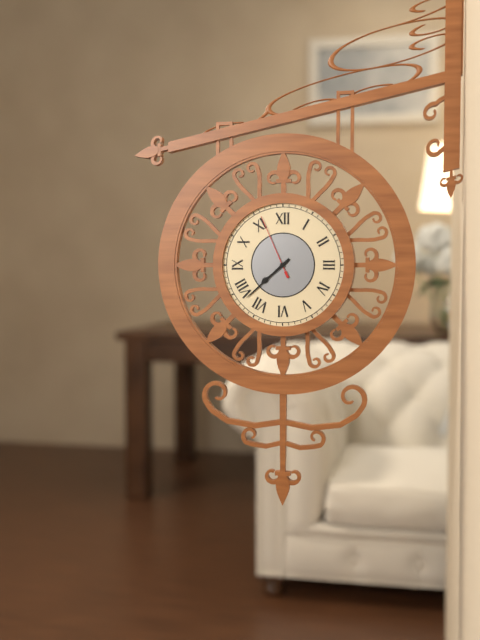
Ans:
**7:38:56**
